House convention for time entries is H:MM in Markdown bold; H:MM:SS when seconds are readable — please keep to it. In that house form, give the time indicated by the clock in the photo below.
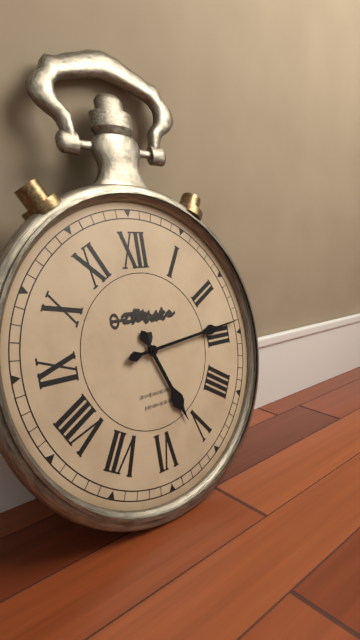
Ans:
**5:14**
